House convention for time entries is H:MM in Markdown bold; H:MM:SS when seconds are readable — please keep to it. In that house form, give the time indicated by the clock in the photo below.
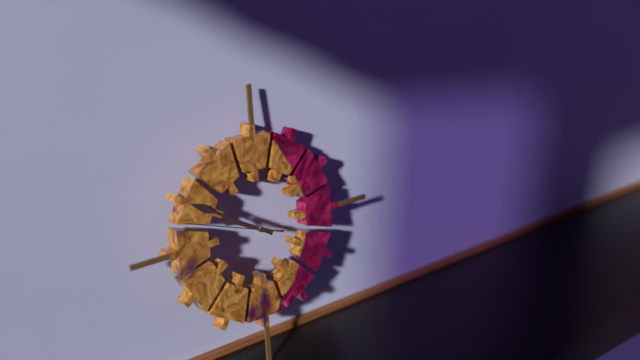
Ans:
**9:50:48**
